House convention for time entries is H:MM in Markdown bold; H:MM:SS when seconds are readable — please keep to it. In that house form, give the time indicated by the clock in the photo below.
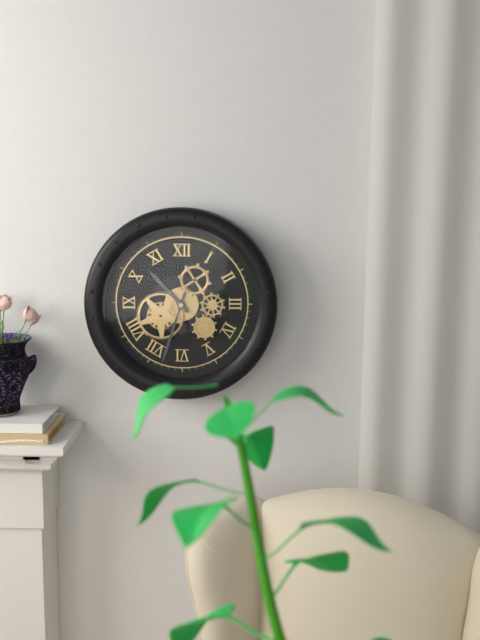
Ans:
**10:33**
